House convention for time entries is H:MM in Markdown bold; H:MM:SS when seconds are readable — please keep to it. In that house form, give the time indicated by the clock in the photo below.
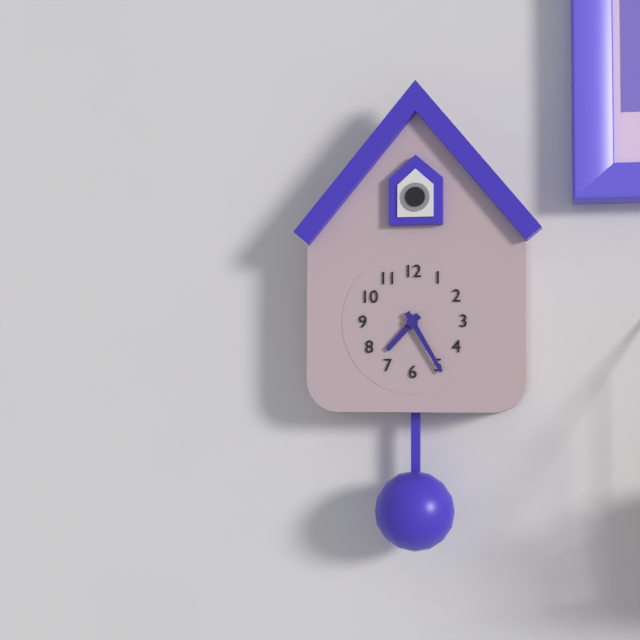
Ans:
**7:25**
